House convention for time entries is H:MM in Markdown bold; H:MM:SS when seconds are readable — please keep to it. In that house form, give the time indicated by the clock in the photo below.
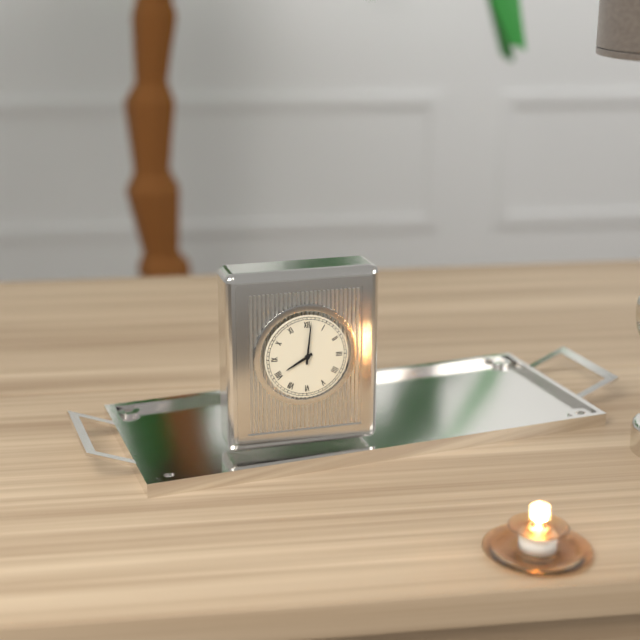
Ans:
**8:01**
